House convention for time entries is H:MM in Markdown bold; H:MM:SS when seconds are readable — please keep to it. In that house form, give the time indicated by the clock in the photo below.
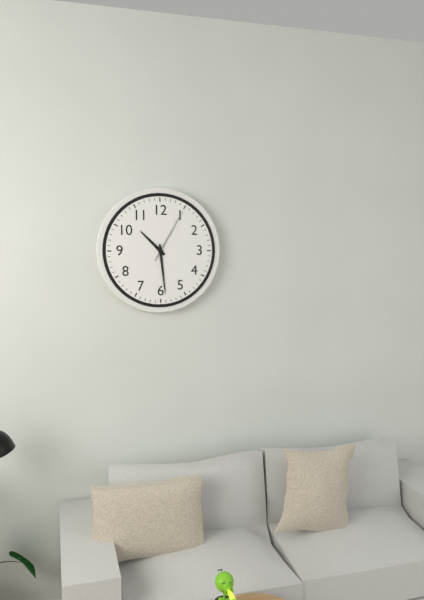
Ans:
**10:29:05**
